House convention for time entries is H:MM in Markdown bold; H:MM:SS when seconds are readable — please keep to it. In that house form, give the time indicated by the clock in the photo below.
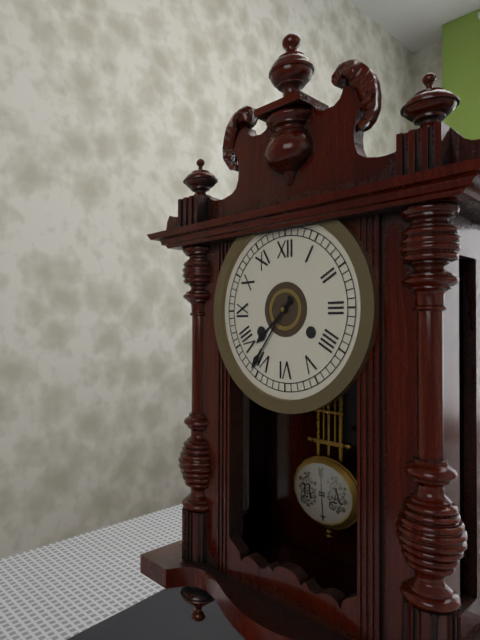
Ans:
**7:36**
